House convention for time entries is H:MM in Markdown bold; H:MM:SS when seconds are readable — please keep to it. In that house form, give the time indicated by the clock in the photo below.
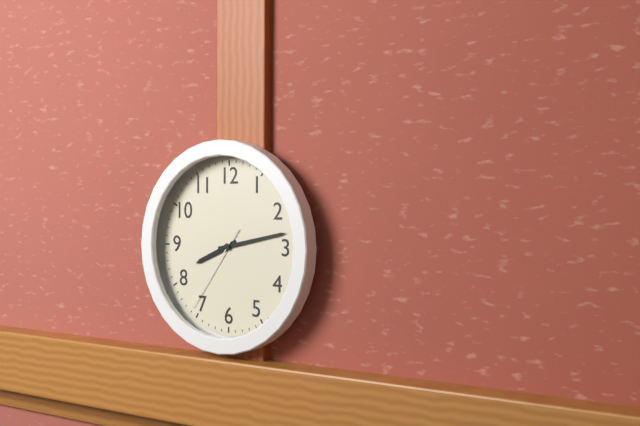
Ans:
**8:13:36**
